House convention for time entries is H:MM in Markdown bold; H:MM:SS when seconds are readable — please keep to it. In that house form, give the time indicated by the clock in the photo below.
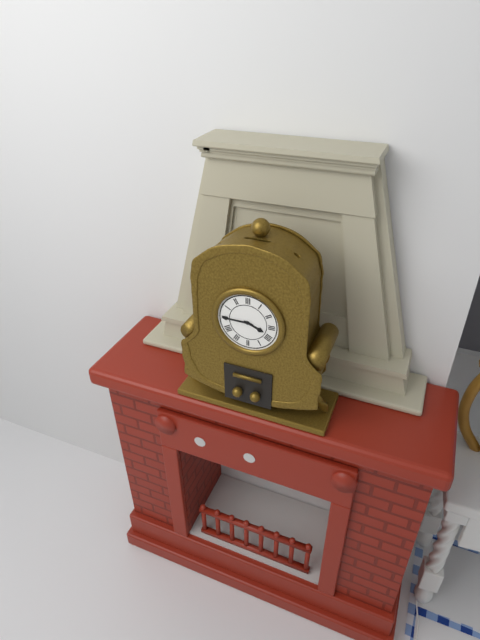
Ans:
**3:45**
